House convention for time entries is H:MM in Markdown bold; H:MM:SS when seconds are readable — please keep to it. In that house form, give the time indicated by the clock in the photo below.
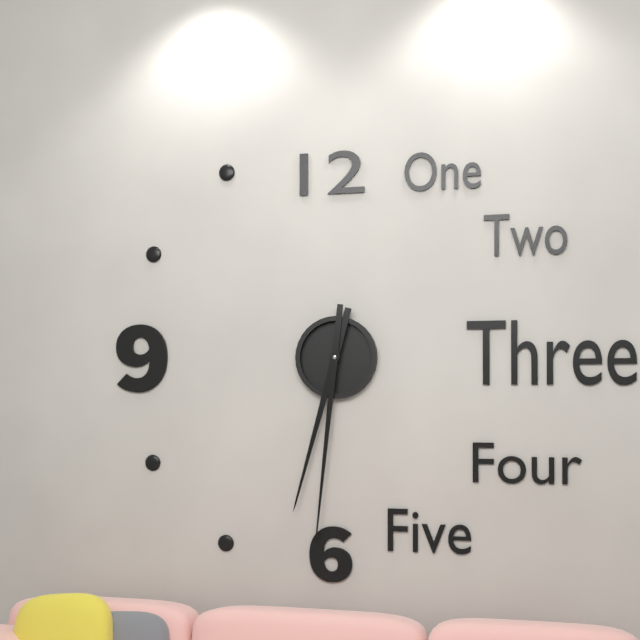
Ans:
**6:31**
